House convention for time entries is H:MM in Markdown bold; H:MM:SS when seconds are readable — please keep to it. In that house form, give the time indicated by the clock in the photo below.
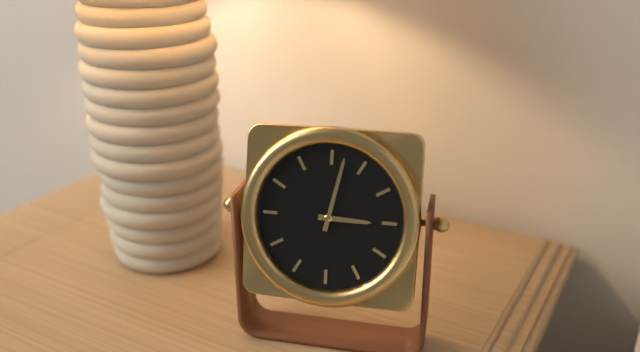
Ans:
**3:02**
